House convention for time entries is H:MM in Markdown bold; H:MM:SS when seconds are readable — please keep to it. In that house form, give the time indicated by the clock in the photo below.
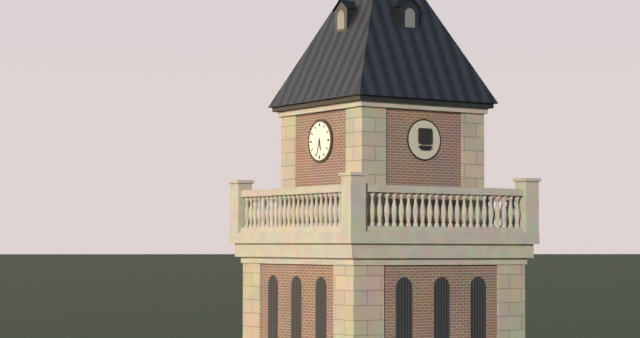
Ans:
**5:33**
